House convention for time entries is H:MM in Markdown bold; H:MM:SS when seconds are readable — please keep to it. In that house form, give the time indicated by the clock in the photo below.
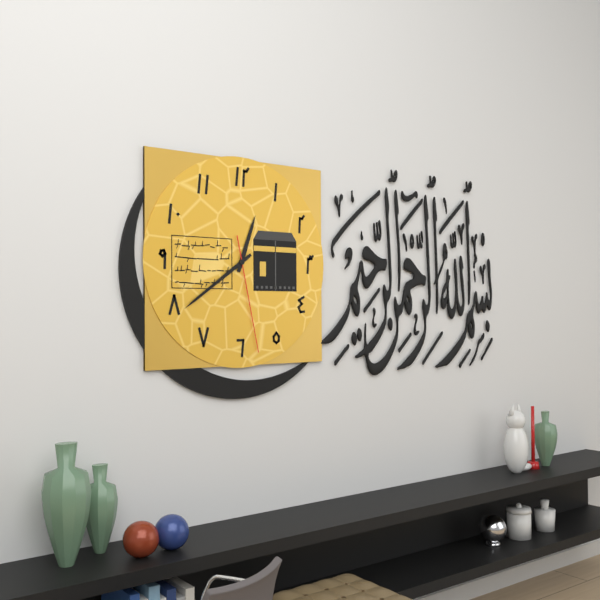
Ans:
**12:39:28**
